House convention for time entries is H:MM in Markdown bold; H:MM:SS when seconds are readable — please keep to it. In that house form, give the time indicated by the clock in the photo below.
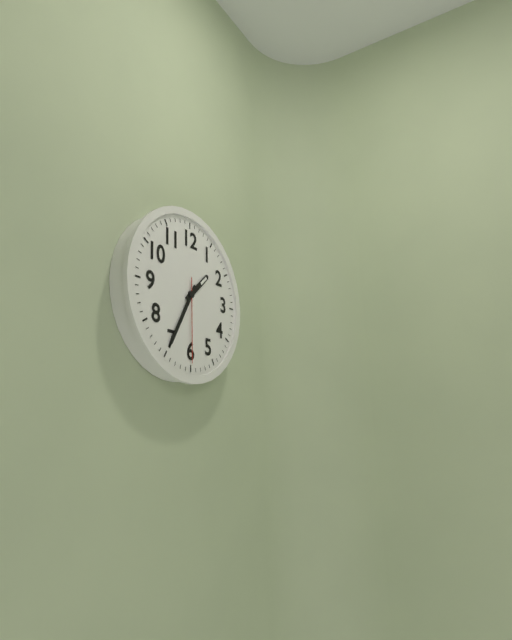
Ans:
**1:35:30**
